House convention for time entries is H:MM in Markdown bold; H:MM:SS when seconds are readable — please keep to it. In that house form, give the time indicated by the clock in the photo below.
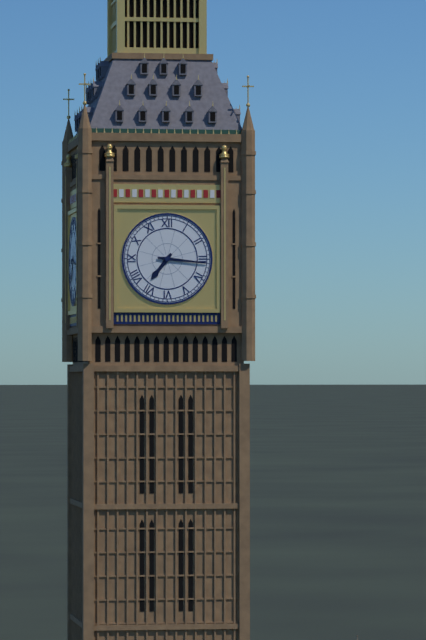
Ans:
**7:16**
